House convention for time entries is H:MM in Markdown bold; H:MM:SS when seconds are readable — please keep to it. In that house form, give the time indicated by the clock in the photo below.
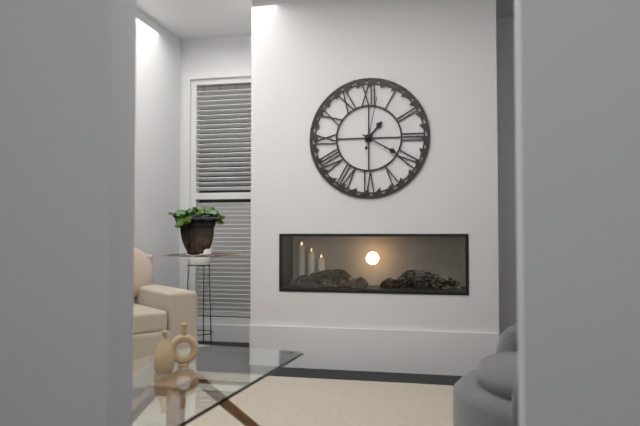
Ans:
**1:20:02**
